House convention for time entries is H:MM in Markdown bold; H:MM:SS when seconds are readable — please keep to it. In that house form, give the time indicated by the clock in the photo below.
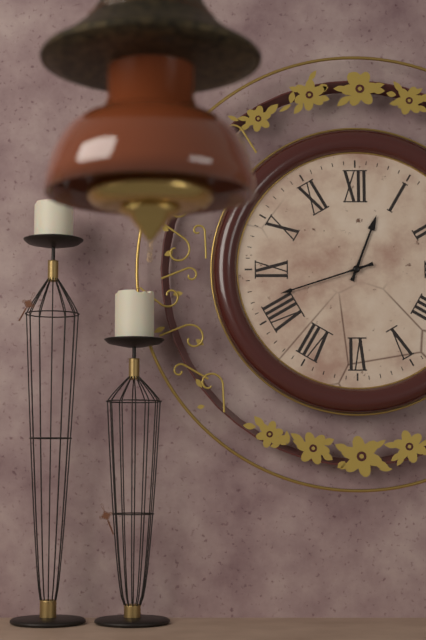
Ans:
**12:42**
